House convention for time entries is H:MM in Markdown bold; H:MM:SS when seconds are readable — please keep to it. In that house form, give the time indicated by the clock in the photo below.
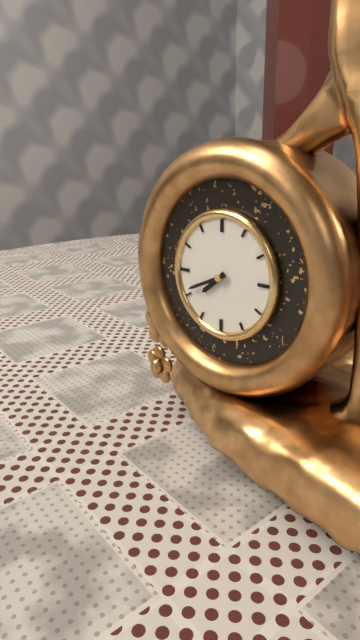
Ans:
**7:41**
